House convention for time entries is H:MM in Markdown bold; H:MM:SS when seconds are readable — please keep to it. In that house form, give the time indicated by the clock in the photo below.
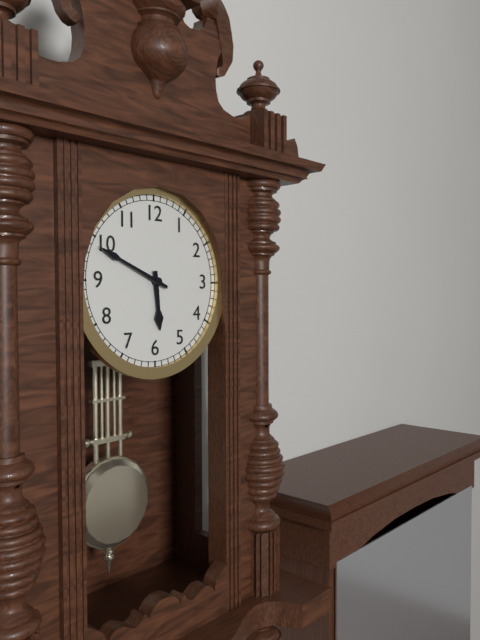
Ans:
**5:49**
